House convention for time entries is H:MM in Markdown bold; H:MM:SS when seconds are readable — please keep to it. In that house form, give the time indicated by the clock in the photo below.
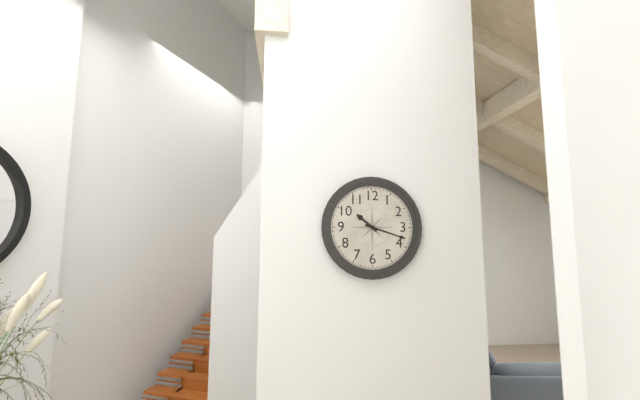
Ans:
**10:18**
